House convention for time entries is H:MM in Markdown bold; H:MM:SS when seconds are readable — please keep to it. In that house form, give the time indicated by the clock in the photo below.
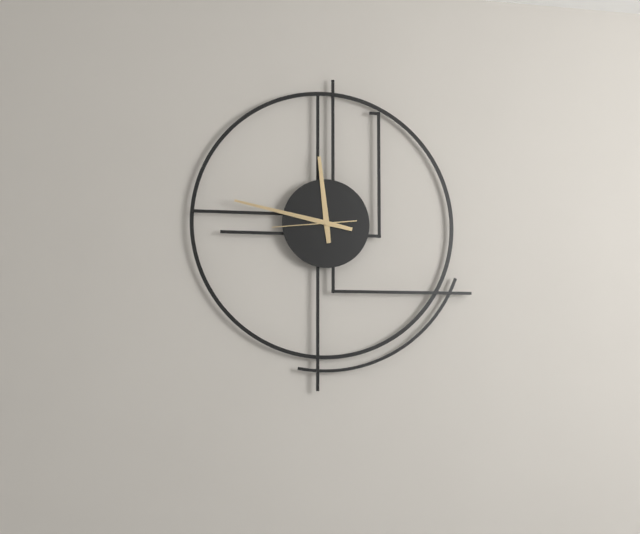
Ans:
**11:47:44**
